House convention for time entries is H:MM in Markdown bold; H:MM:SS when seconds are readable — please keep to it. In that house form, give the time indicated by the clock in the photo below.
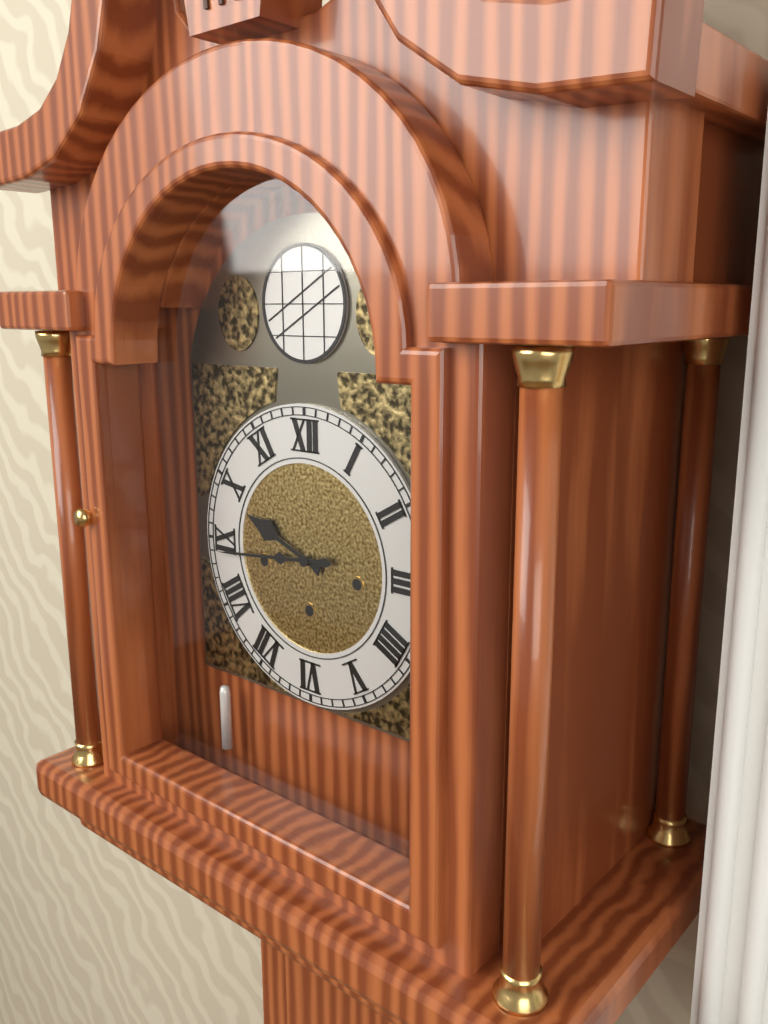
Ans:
**9:44**
